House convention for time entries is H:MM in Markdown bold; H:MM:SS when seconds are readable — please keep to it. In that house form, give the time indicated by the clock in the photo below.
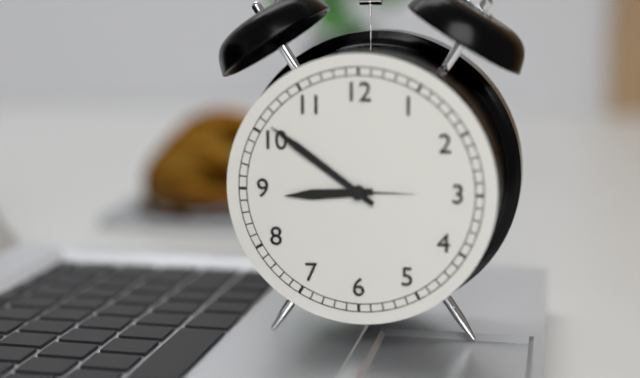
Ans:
**8:51**
